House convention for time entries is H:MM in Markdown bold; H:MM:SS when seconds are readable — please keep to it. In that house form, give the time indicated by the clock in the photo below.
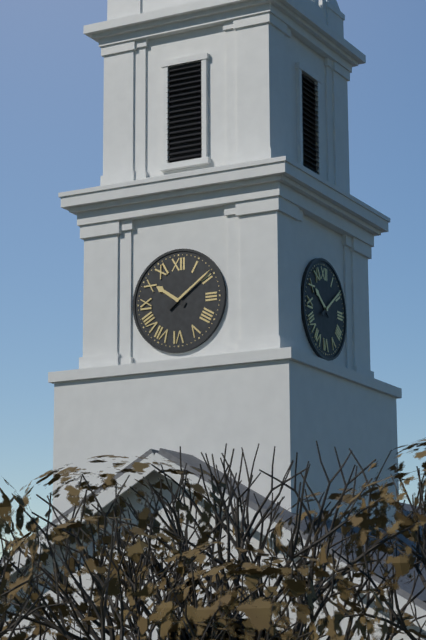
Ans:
**10:09**
